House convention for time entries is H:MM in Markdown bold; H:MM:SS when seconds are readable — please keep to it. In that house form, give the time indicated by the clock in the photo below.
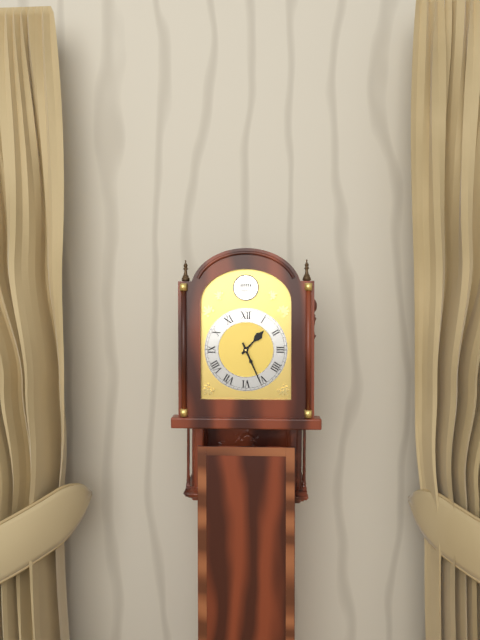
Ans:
**1:26**
